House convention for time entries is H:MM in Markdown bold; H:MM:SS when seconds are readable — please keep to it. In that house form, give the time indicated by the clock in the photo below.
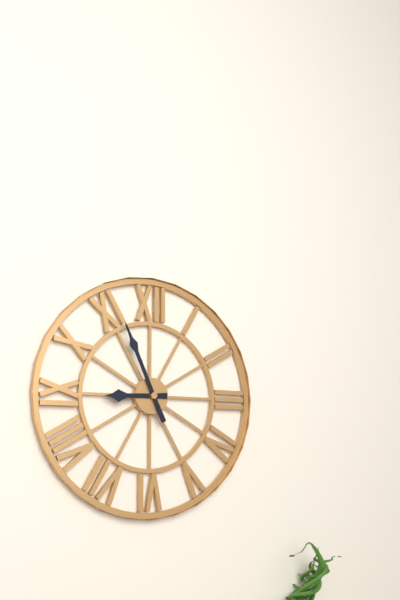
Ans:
**8:56**
